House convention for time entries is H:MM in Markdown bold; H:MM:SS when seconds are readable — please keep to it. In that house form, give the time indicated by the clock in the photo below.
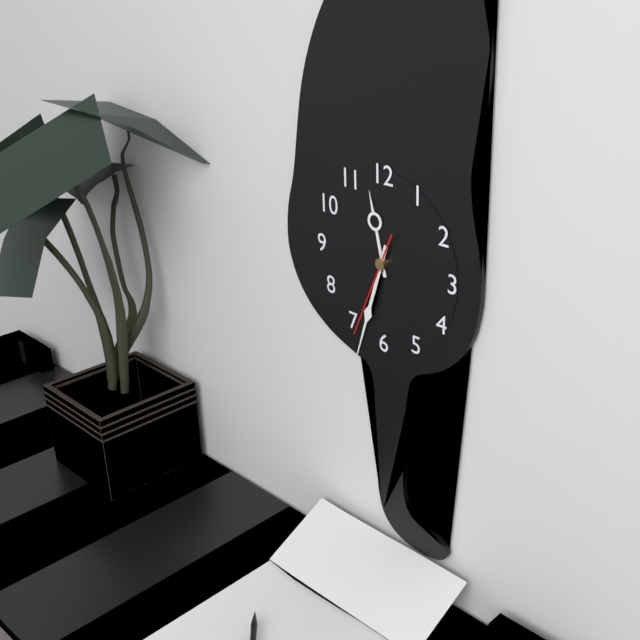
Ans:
**11:33:34**
